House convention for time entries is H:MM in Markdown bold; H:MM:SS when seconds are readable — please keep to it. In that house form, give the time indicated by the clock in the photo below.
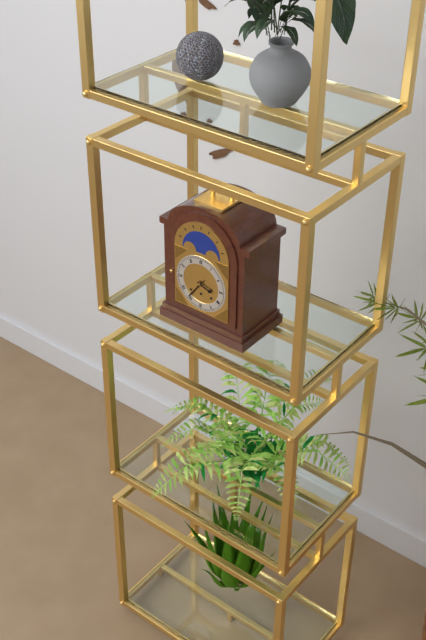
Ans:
**3:36**
